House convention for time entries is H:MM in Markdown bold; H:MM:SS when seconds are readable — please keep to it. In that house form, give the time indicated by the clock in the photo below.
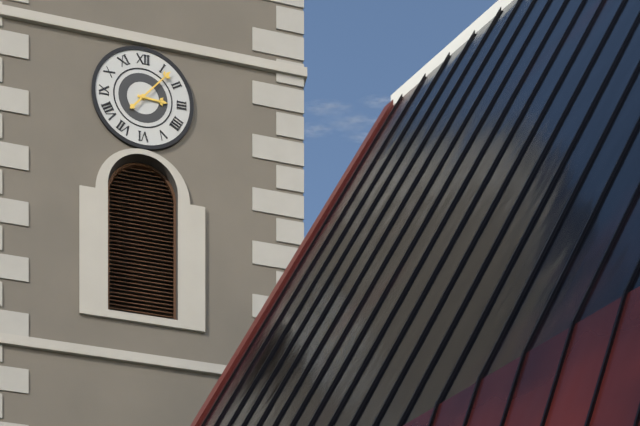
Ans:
**3:07**
